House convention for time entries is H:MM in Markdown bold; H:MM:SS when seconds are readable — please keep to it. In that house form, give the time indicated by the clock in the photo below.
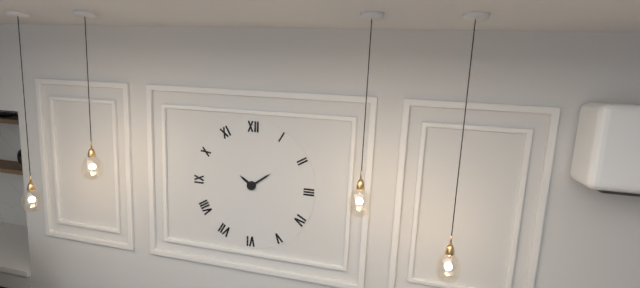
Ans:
**10:09**
